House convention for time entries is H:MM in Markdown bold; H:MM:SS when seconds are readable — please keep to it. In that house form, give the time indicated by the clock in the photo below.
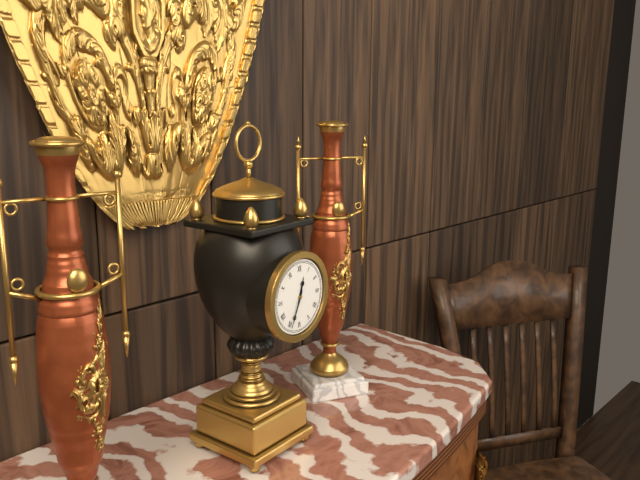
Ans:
**12:34**
